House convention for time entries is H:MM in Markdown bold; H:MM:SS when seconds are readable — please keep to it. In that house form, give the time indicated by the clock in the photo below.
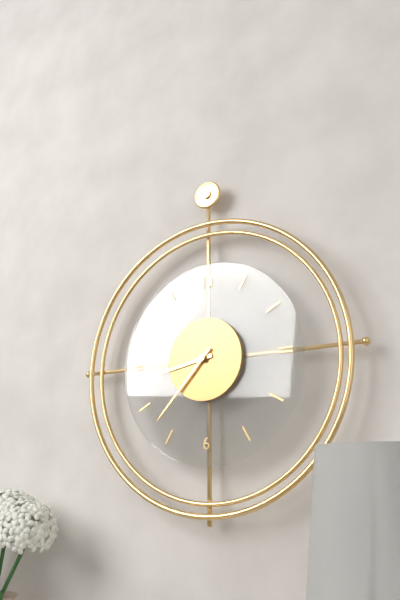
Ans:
**8:37**
